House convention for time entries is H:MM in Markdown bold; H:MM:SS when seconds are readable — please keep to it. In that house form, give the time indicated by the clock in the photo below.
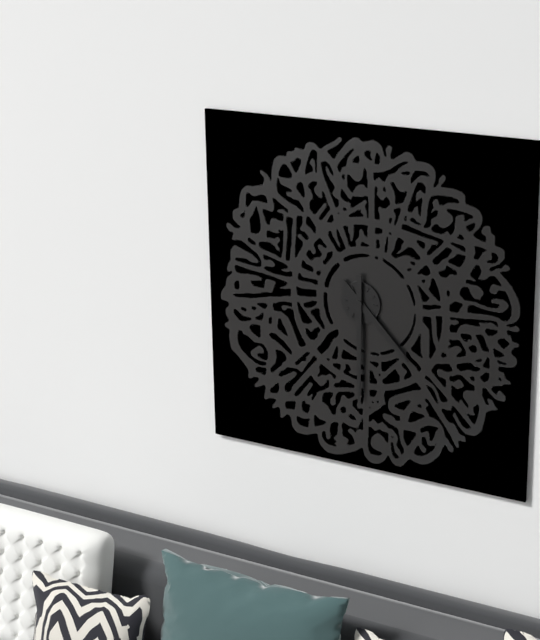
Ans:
**4:30**
